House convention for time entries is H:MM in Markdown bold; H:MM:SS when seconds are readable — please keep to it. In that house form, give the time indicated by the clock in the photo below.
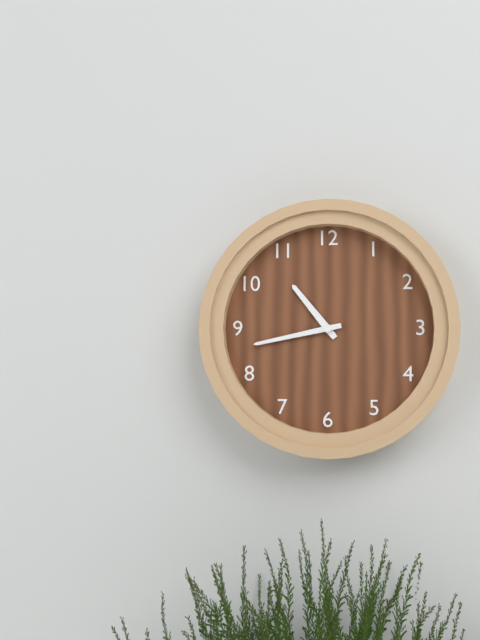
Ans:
**10:43**
